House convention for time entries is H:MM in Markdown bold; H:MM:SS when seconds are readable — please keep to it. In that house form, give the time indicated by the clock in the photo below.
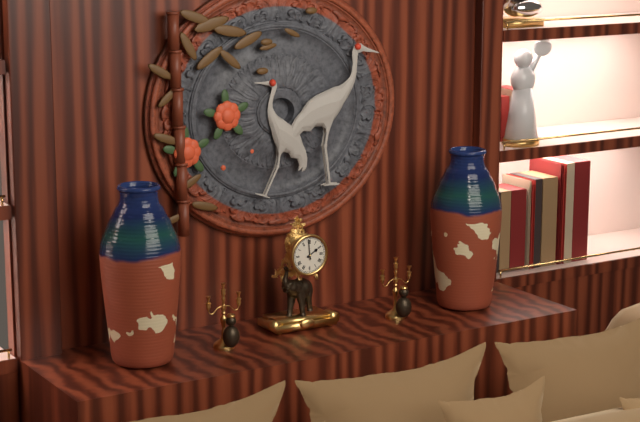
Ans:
**1:59**
